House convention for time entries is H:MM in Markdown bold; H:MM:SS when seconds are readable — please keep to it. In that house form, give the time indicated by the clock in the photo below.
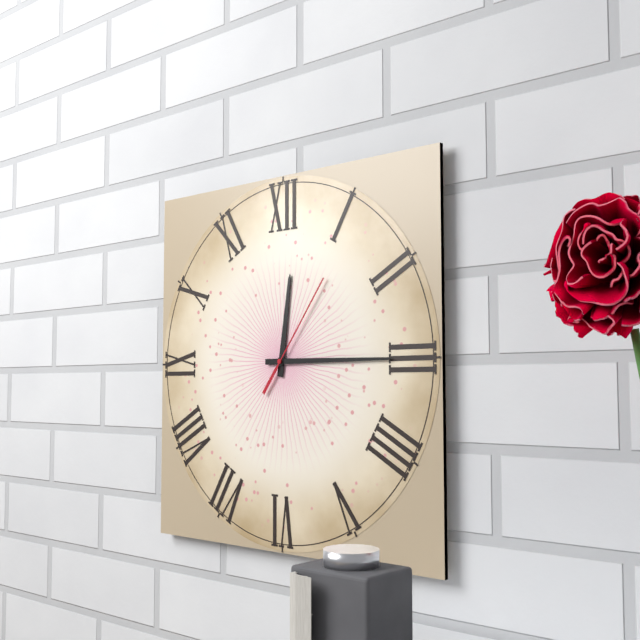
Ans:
**12:15:06**
